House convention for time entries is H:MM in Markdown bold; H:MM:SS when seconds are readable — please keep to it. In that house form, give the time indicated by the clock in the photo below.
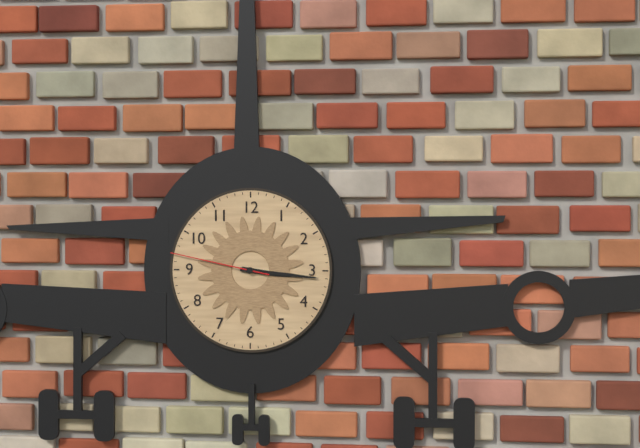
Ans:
**3:16:47**
